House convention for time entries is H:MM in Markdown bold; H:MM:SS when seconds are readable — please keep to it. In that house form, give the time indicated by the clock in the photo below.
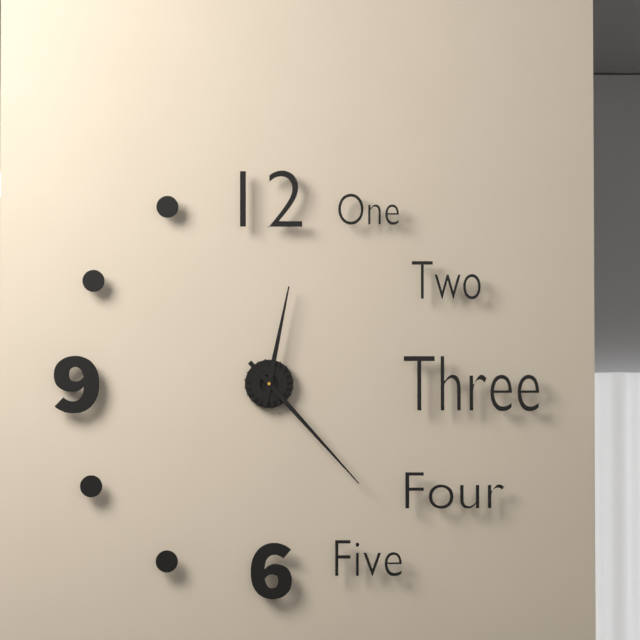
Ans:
**12:23**
